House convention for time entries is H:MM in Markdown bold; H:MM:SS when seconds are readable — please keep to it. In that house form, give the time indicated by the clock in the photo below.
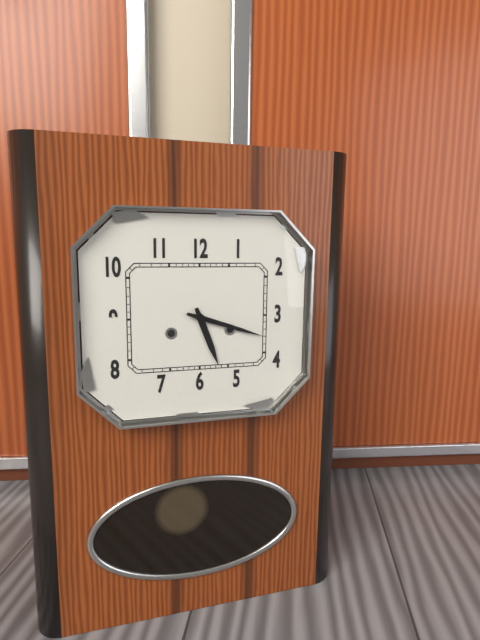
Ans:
**5:18**
